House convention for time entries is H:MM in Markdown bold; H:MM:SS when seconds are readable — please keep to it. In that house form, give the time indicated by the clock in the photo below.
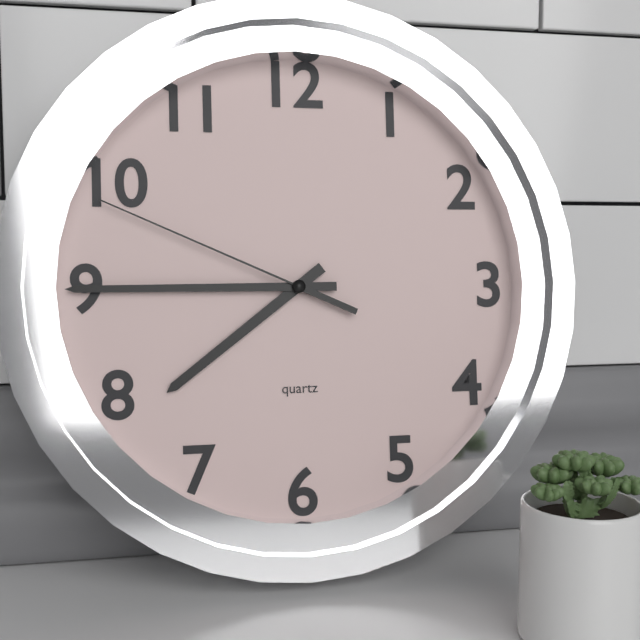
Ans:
**7:45:49**
